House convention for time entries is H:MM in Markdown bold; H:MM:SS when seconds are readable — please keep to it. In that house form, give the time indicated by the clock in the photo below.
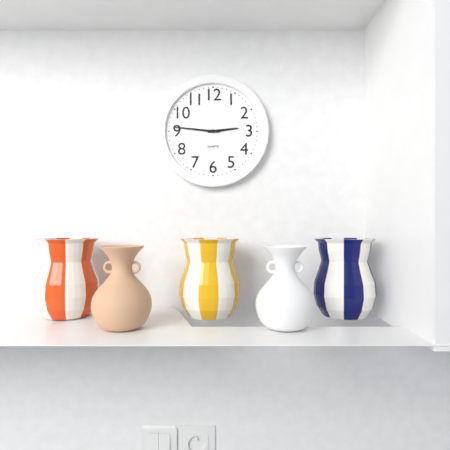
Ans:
**2:46**
